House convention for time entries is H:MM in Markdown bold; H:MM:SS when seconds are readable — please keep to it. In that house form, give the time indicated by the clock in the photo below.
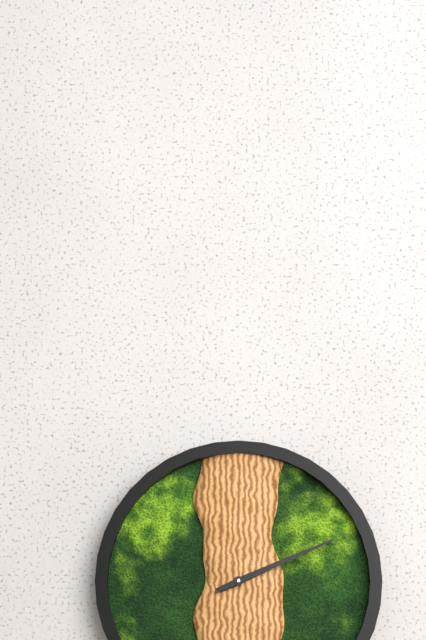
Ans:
**2:11**
